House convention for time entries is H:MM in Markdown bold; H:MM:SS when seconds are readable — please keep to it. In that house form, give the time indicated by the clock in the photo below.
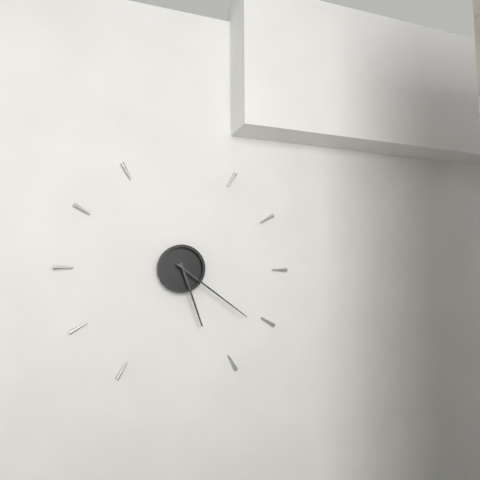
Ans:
**5:21**
